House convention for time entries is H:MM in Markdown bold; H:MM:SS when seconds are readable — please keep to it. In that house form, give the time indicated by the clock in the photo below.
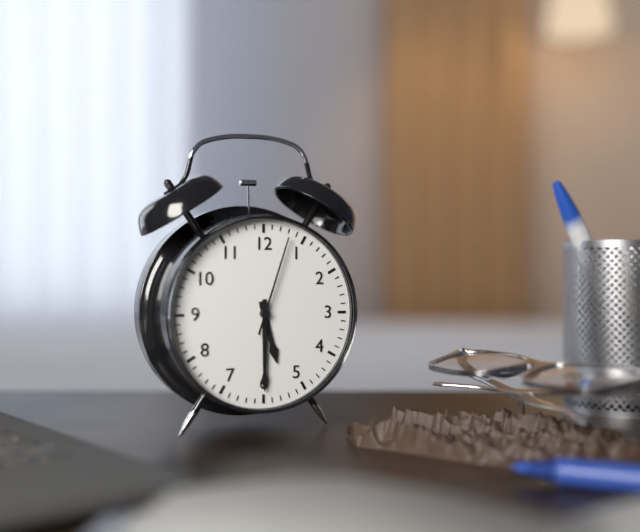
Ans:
**5:30:03**
